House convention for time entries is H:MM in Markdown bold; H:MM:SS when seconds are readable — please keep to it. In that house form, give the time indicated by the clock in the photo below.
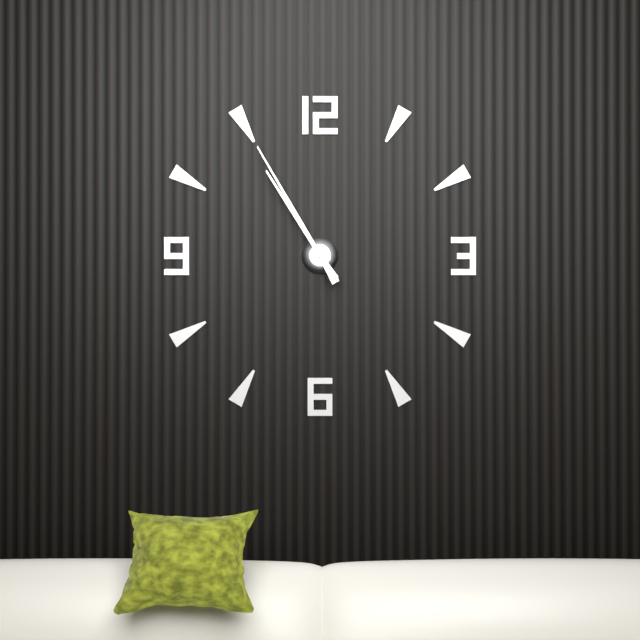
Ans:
**10:55**
